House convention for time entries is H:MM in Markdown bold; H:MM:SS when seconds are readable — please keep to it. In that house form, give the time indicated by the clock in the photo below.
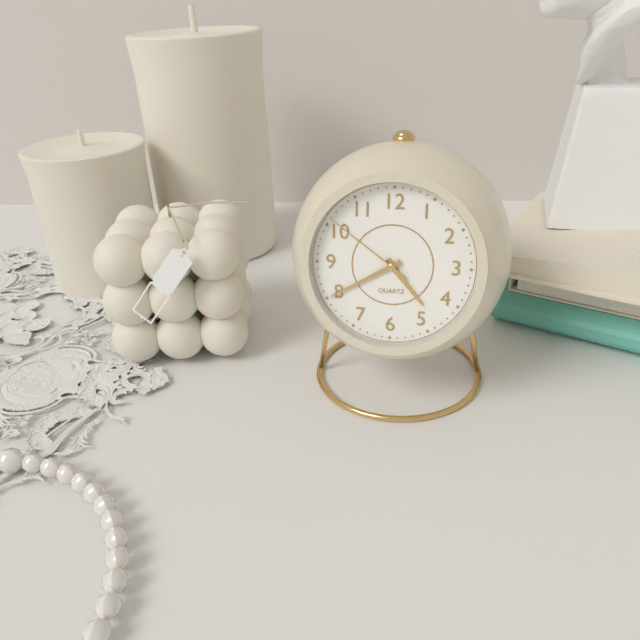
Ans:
**4:40:51**
